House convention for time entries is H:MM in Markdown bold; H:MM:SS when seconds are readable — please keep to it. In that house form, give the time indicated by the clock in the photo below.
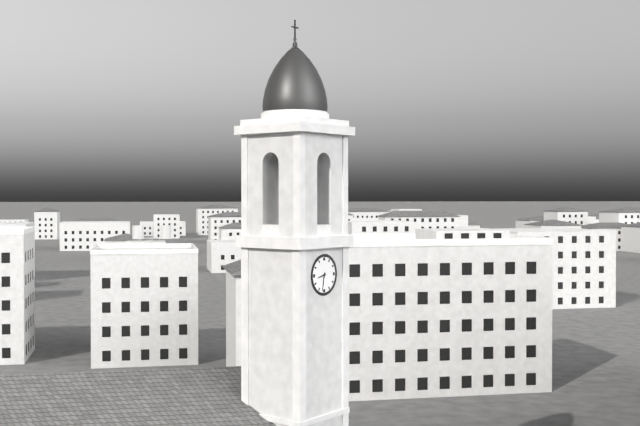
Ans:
**8:32**
